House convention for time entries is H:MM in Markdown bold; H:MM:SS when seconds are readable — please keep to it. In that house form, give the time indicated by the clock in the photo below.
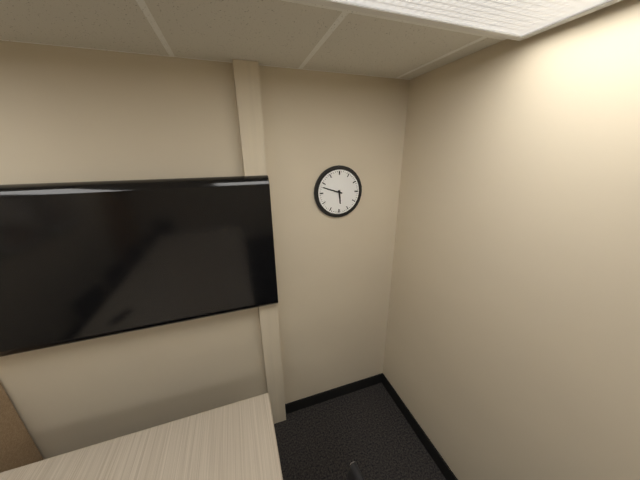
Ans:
**5:48**
